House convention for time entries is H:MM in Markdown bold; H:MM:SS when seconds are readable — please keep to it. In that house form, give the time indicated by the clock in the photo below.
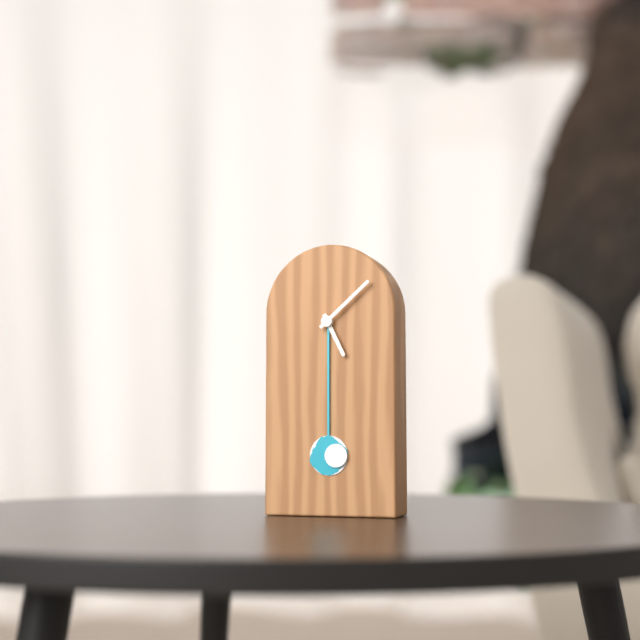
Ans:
**5:08**
